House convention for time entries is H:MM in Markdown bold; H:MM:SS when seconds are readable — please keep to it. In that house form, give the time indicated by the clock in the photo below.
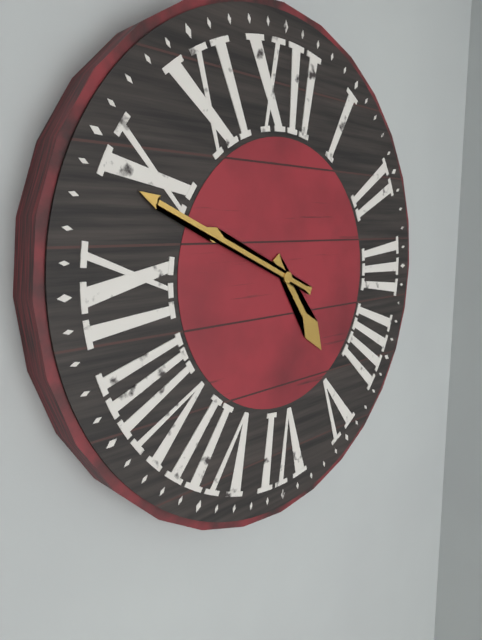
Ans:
**4:49**
